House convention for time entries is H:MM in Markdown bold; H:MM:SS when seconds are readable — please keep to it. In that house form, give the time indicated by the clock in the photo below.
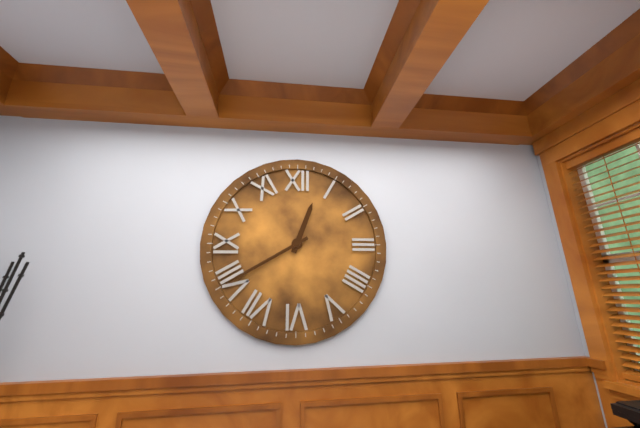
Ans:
**12:40**
